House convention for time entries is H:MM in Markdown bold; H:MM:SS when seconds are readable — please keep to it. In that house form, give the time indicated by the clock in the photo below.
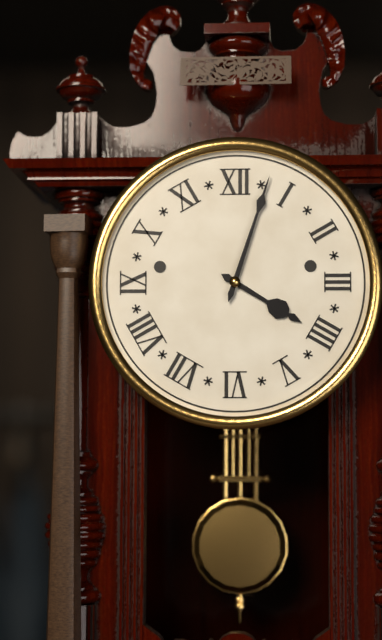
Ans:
**4:03**
